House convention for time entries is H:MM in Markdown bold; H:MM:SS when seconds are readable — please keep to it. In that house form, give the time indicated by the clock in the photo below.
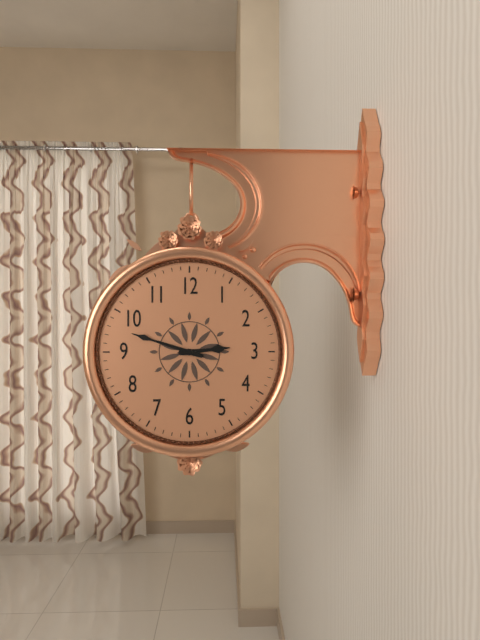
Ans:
**2:48**
